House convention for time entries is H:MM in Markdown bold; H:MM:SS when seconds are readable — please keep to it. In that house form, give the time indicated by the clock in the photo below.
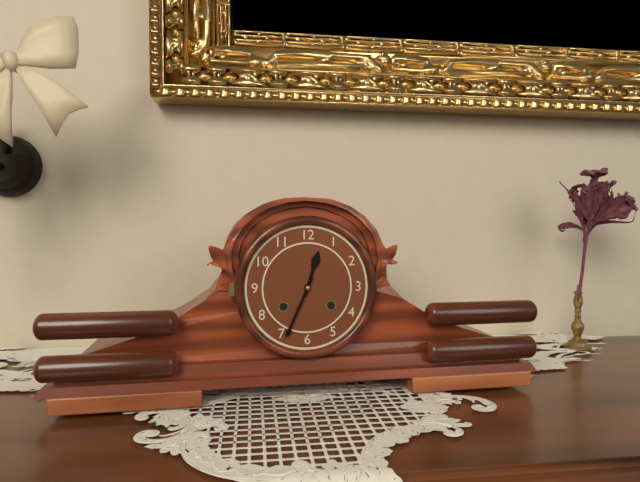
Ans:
**12:34**
